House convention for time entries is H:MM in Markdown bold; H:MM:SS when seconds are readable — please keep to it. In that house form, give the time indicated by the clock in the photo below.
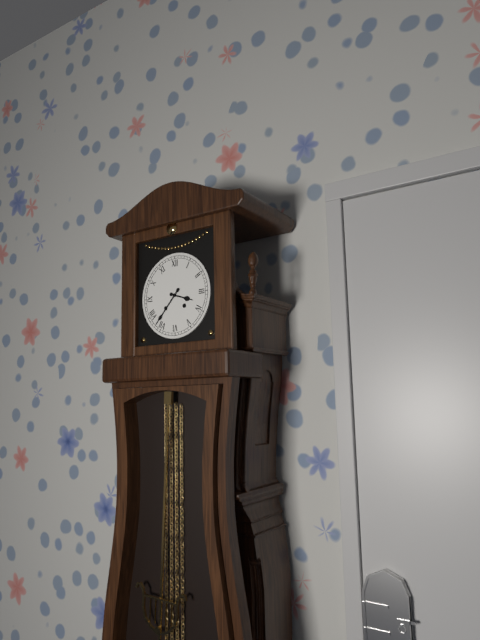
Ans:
**3:37**
